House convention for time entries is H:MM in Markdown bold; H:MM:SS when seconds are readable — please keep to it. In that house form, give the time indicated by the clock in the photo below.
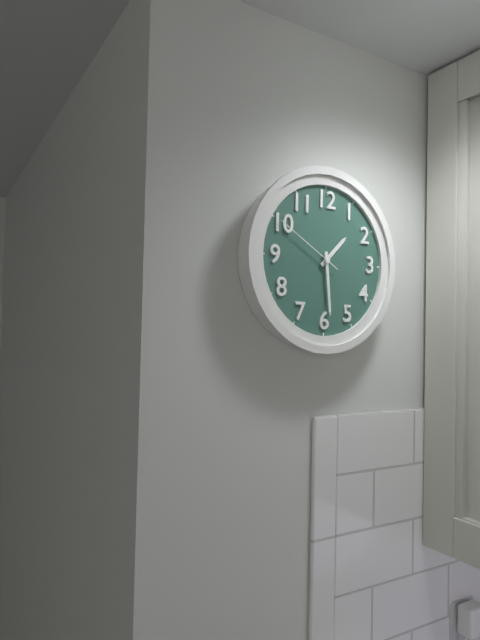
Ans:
**1:29:50**
